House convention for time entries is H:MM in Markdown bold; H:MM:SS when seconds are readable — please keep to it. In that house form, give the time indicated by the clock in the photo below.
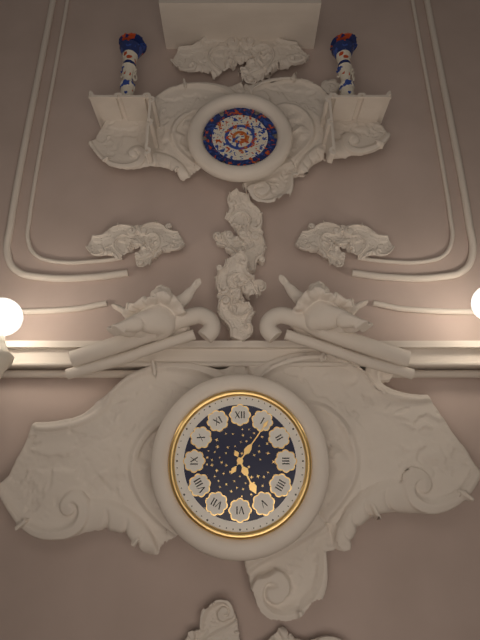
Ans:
**5:06**
